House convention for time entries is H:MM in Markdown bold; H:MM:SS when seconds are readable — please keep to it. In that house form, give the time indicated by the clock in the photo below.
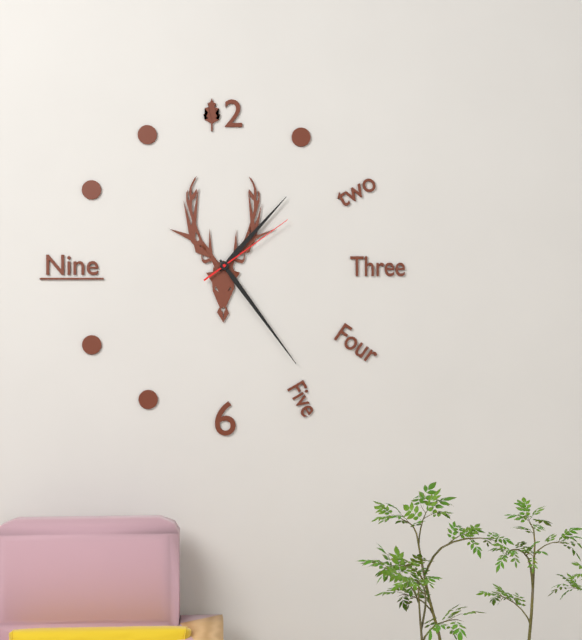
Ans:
**1:24:09**
